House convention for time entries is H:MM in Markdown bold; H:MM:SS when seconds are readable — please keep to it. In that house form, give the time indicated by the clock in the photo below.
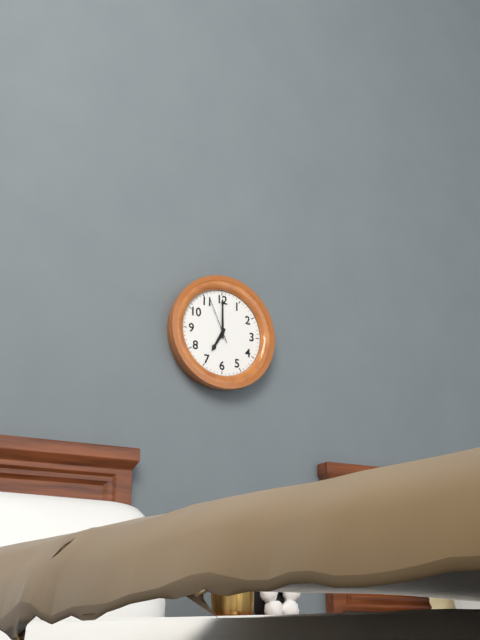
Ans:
**7:00**
